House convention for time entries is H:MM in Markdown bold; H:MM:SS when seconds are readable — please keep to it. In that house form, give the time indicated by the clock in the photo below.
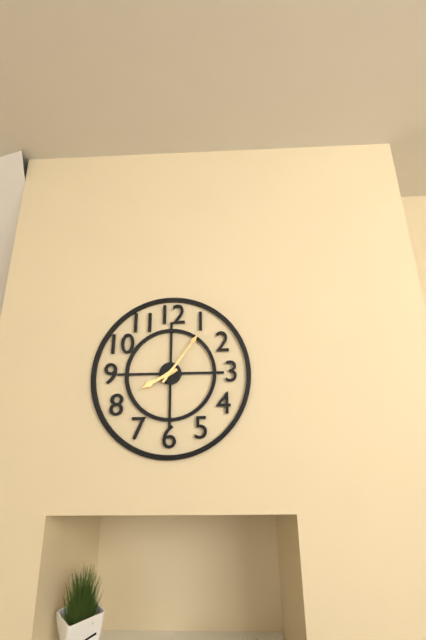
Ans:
**8:06**
